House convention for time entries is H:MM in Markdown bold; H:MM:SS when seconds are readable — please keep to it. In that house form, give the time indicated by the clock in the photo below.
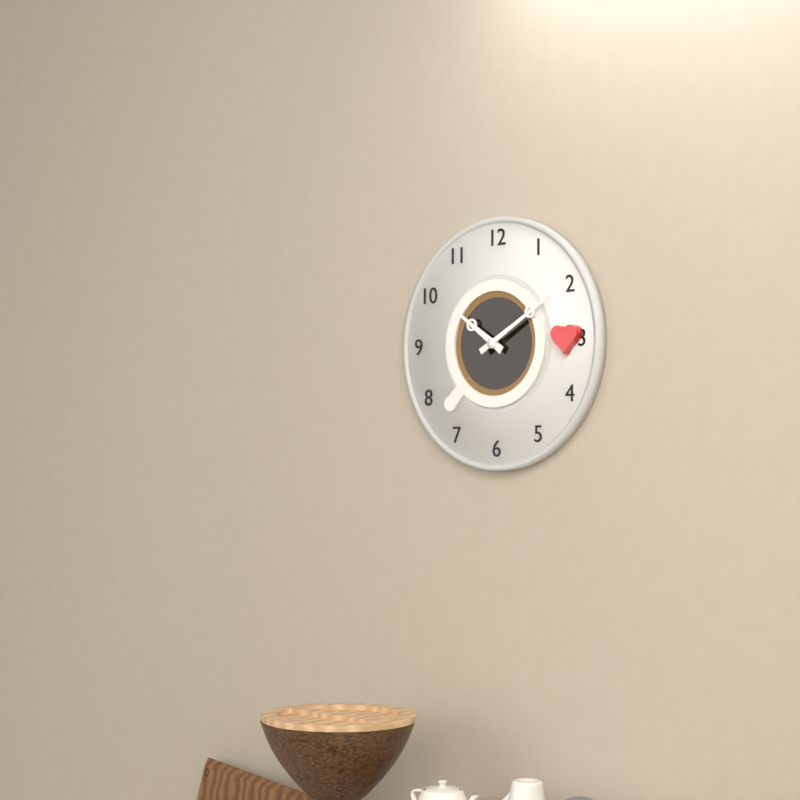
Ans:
**10:10**
